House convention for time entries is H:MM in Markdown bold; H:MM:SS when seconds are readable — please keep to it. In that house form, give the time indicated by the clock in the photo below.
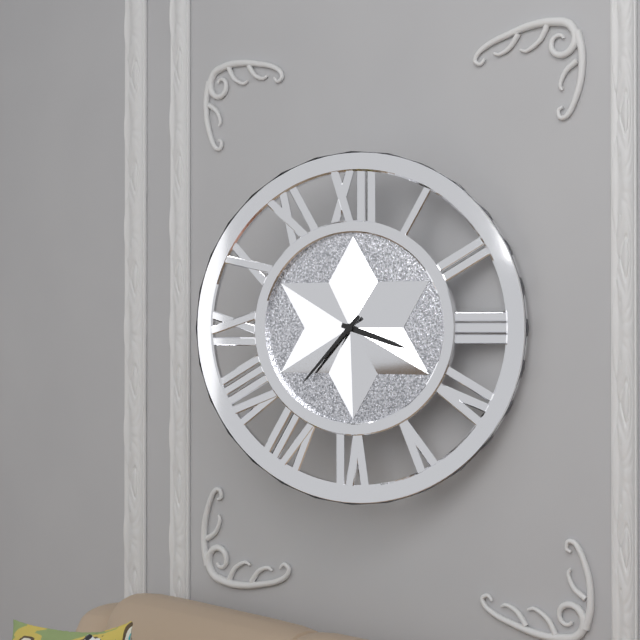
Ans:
**3:37**
